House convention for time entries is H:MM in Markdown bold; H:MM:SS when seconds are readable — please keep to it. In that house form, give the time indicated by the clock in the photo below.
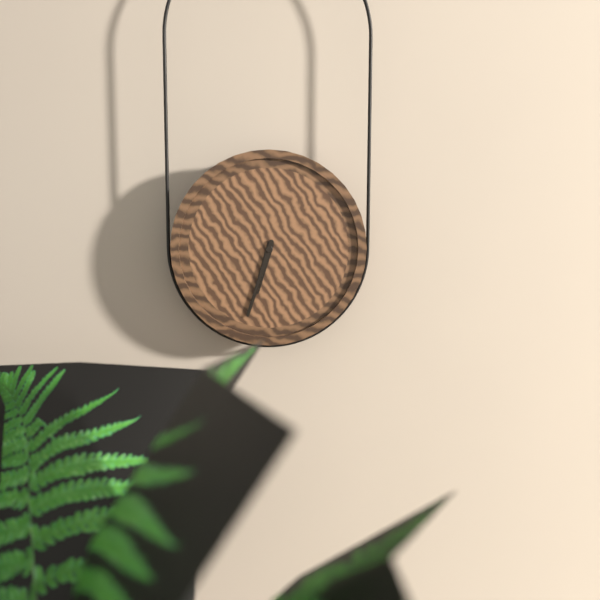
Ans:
**6:33**
